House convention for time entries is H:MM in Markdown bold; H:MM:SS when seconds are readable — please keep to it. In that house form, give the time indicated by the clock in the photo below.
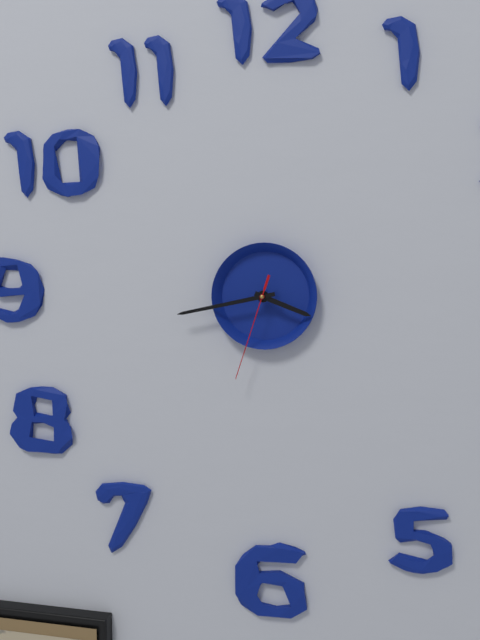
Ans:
**3:43:33**
